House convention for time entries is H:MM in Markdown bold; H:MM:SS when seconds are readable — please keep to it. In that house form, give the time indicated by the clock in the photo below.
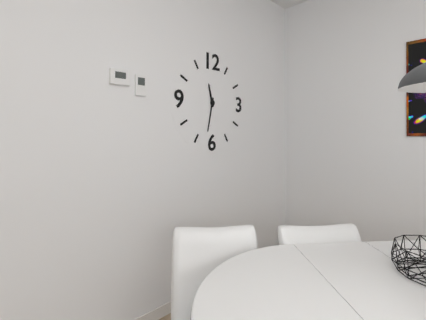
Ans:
**11:32**
